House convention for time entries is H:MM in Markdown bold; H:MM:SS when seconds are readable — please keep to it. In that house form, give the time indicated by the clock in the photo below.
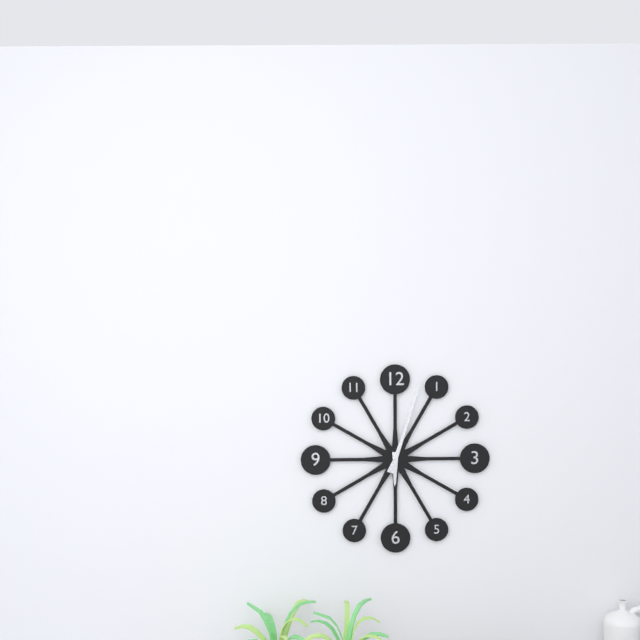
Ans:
**6:03**
